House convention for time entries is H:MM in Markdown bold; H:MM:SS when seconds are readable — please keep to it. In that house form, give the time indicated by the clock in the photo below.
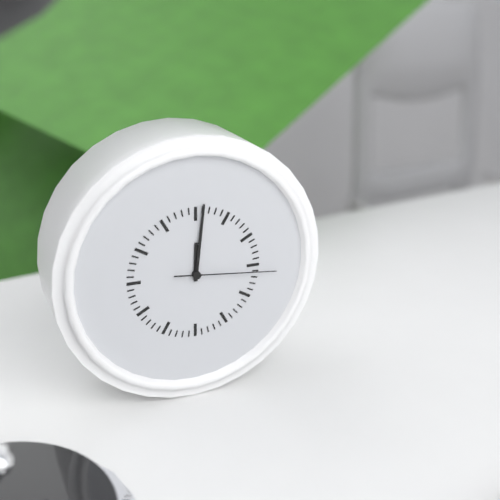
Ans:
**12:01:16**
